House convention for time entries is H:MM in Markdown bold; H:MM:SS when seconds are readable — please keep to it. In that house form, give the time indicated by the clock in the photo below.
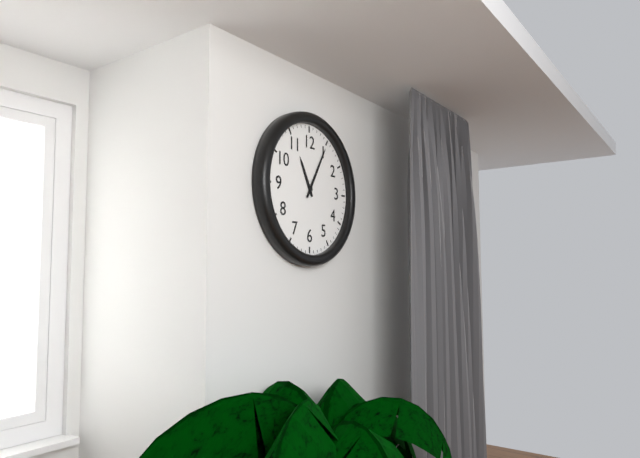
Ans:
**11:05**
